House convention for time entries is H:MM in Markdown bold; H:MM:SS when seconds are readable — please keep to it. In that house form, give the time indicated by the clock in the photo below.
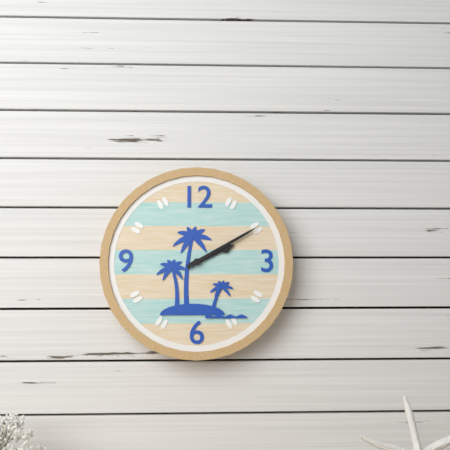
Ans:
**2:10**
